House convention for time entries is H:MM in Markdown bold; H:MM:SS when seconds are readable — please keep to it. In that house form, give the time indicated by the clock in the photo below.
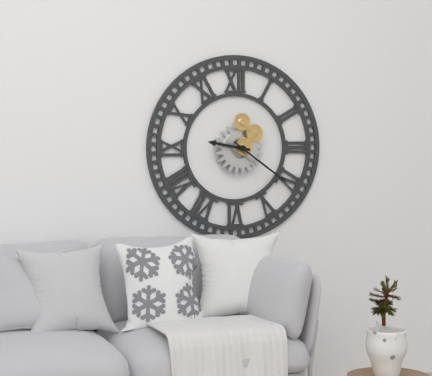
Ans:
**9:21**
